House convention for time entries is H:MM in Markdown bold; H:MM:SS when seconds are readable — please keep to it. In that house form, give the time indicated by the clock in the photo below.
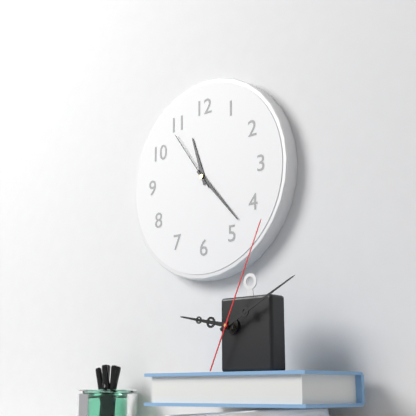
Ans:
**11:23:54**
